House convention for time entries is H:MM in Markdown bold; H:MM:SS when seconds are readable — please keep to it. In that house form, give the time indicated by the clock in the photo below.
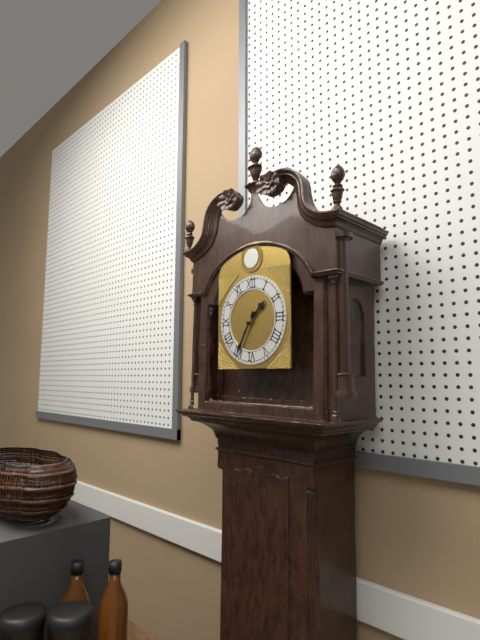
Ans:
**1:35**
